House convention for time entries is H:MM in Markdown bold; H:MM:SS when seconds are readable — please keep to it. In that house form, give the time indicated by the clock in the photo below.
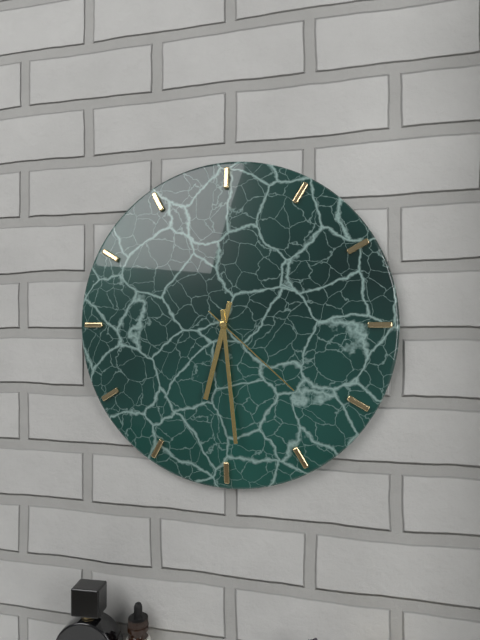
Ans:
**6:29:22**
